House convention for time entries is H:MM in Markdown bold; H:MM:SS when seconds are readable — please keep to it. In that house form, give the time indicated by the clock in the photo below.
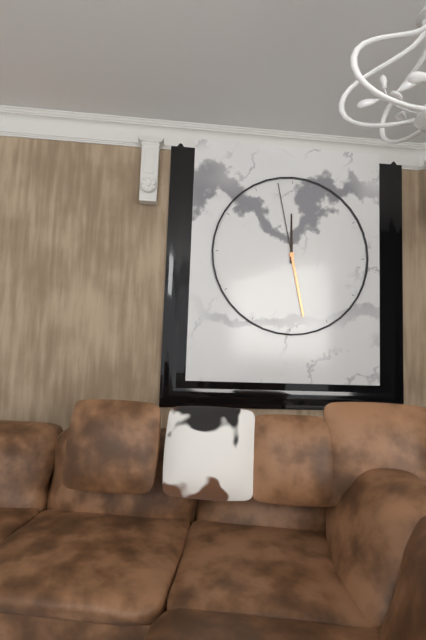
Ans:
**11:58**
